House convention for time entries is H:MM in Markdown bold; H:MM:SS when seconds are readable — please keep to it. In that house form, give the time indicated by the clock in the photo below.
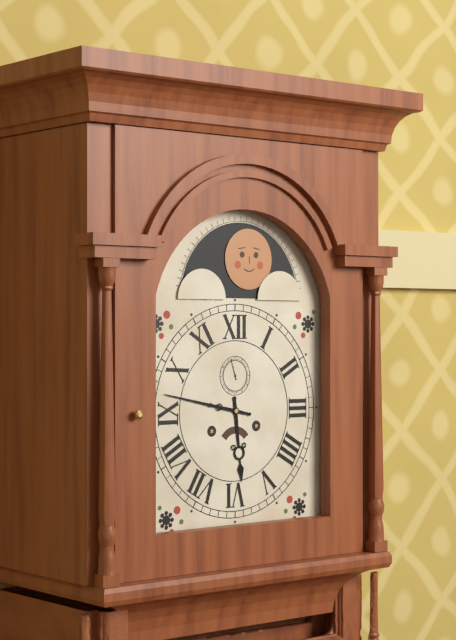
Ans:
**5:47**
